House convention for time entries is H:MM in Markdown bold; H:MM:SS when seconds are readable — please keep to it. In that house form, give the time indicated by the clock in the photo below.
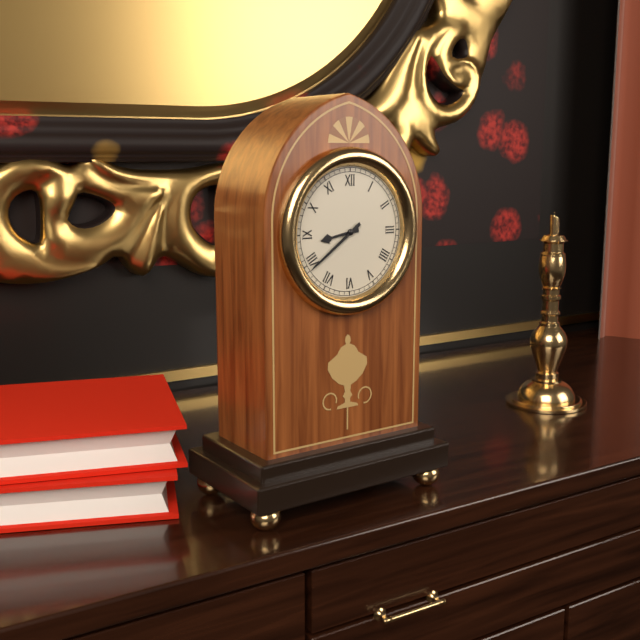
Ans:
**8:39**
